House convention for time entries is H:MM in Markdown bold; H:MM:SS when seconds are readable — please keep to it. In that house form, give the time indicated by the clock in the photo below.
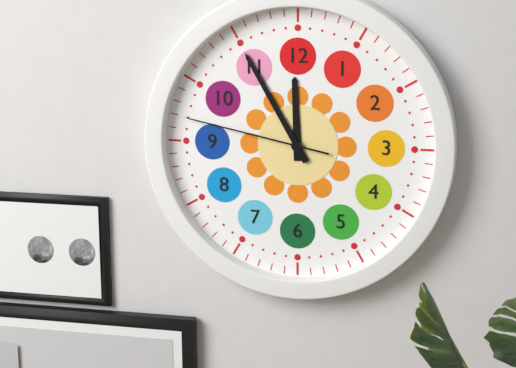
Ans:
**11:55:47**
